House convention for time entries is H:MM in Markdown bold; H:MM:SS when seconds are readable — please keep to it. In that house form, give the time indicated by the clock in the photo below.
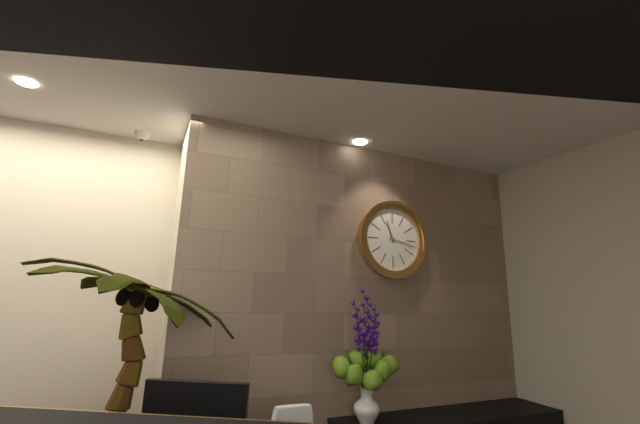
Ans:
**11:17**
